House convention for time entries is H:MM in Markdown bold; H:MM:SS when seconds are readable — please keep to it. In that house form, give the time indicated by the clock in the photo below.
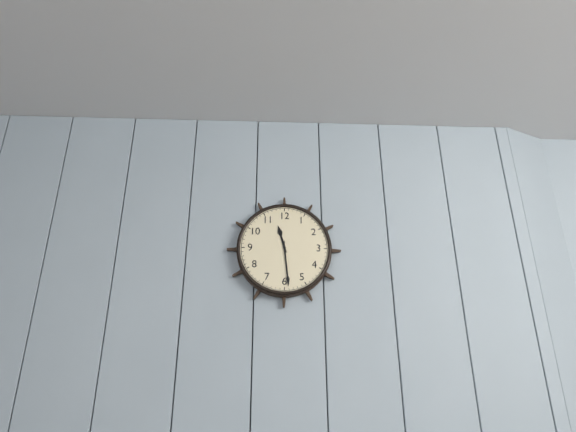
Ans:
**11:29**
